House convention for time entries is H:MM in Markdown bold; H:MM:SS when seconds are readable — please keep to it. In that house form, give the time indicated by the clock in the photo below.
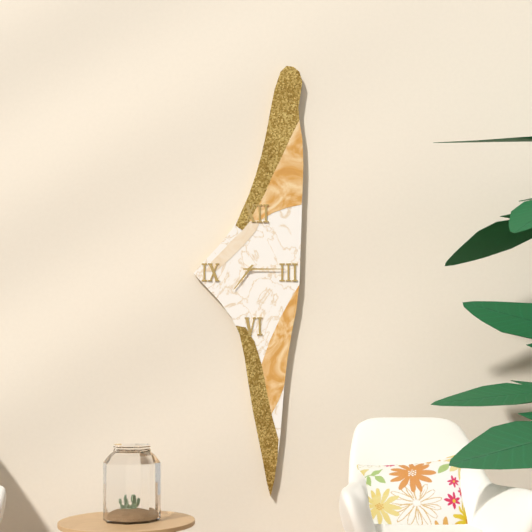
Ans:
**7:15**
